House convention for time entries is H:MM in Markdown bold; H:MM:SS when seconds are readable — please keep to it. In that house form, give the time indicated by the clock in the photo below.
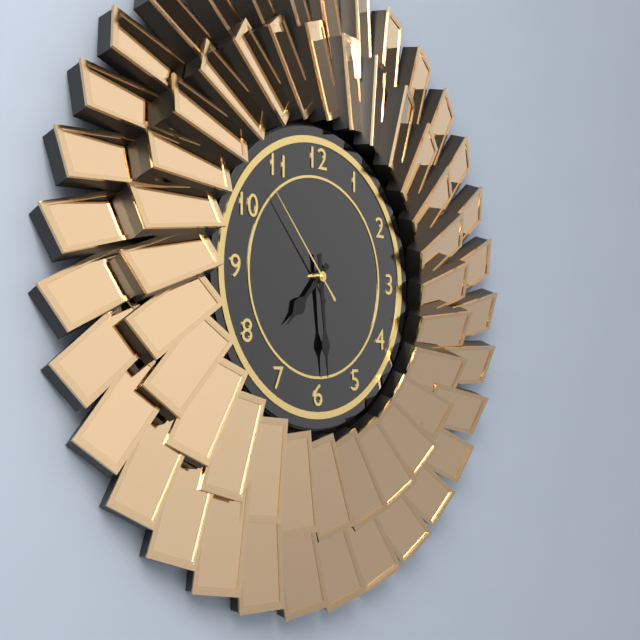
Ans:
**7:29:53**
